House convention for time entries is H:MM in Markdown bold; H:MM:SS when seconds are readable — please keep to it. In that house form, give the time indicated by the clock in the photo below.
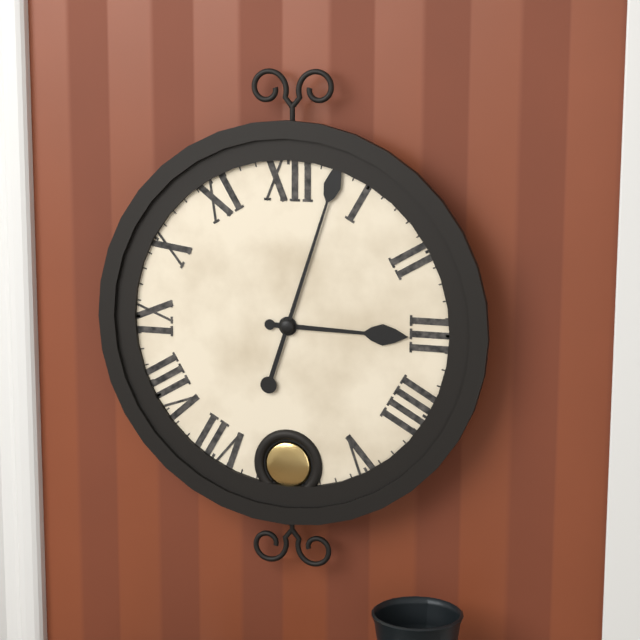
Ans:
**3:03**
